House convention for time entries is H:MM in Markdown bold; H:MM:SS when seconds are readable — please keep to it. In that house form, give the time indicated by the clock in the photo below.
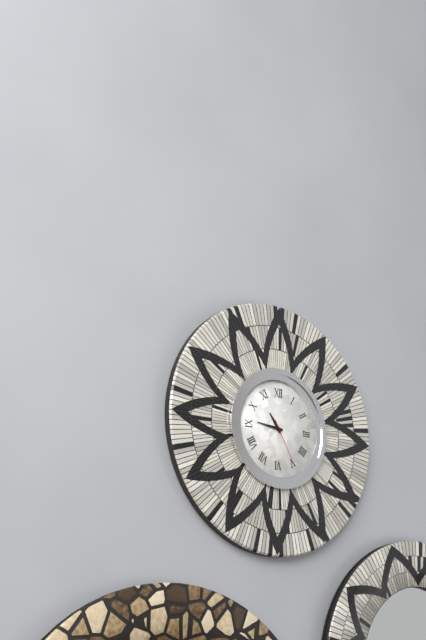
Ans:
**10:46**
